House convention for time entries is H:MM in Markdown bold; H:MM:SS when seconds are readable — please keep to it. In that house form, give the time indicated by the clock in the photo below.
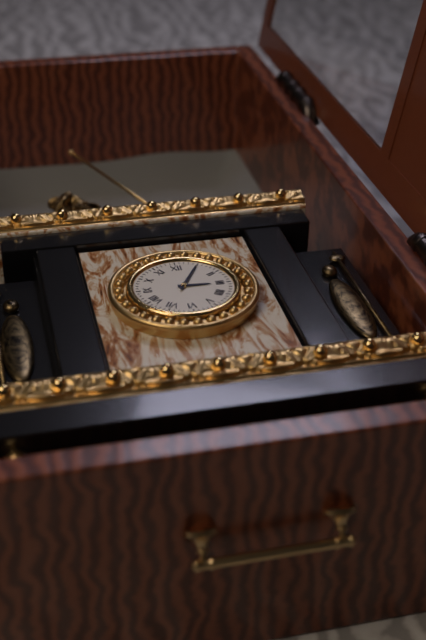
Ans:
**3:05**
